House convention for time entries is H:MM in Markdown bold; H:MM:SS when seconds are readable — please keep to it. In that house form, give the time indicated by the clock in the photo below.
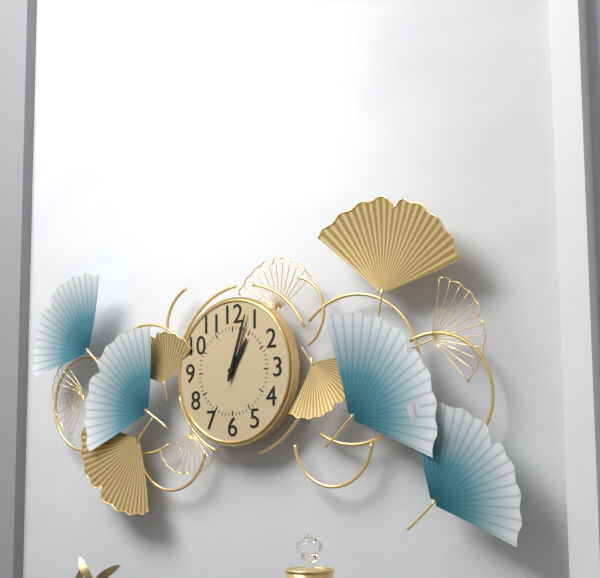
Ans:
**1:03**
